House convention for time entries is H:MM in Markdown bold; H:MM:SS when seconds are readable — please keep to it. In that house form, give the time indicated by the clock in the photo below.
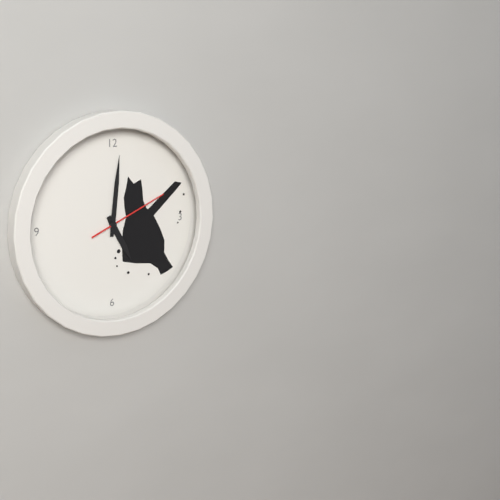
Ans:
**5:01:11**
